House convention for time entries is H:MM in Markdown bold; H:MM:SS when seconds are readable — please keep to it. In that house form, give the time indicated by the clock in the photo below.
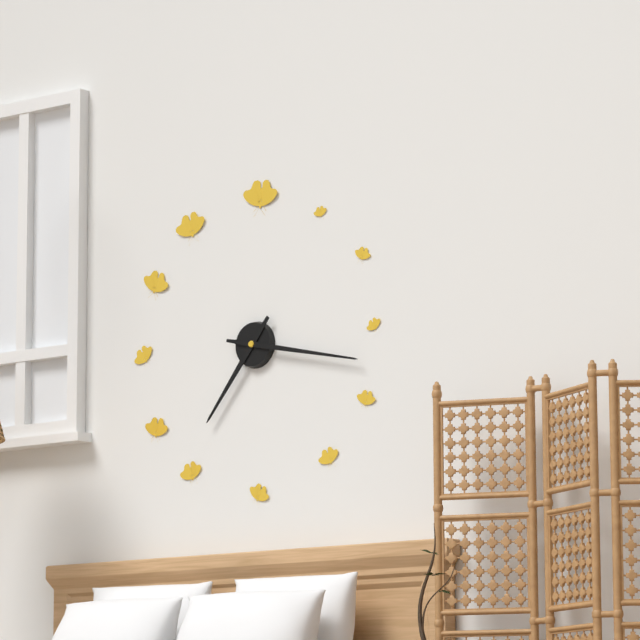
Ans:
**7:17**
